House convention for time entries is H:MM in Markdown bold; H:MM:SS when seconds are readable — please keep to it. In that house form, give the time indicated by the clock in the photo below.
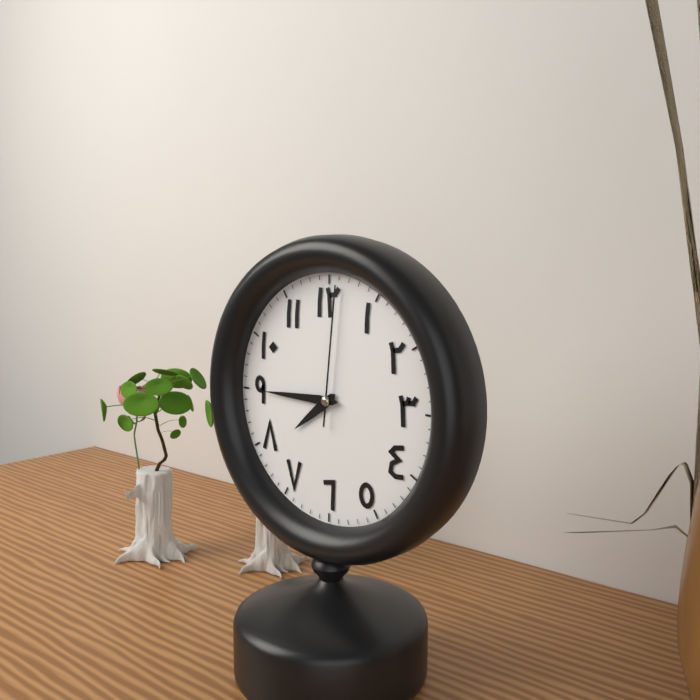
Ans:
**7:45:01**
